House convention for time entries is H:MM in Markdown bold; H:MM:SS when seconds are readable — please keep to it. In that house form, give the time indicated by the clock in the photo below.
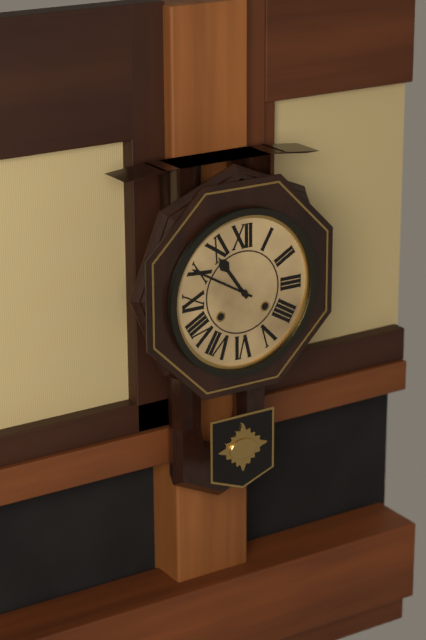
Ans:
**10:50**
